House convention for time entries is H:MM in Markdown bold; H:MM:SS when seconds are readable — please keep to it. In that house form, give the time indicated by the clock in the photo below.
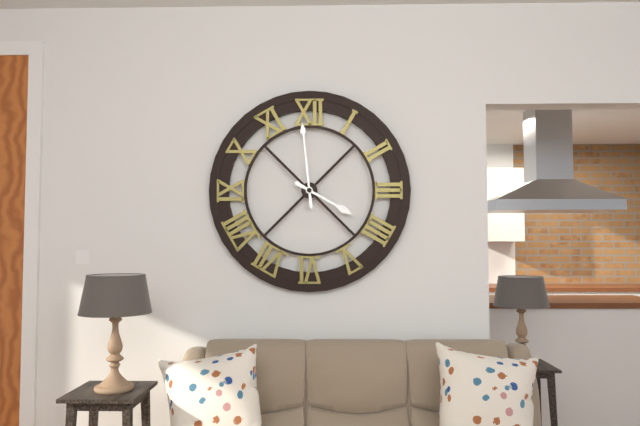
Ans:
**3:59**
